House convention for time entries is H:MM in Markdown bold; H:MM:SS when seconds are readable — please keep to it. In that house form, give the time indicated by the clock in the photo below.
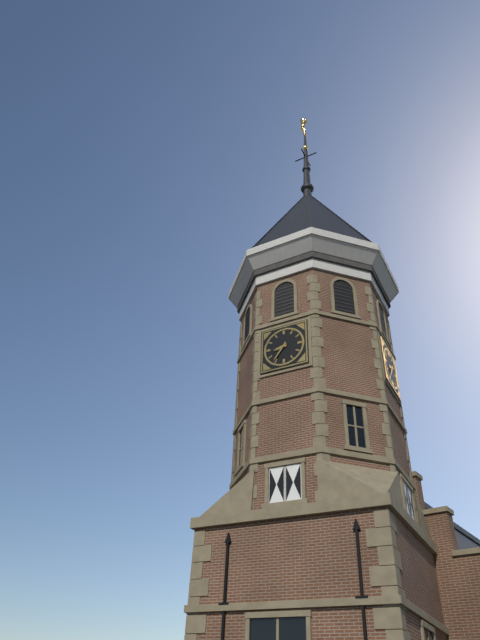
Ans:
**8:36**
